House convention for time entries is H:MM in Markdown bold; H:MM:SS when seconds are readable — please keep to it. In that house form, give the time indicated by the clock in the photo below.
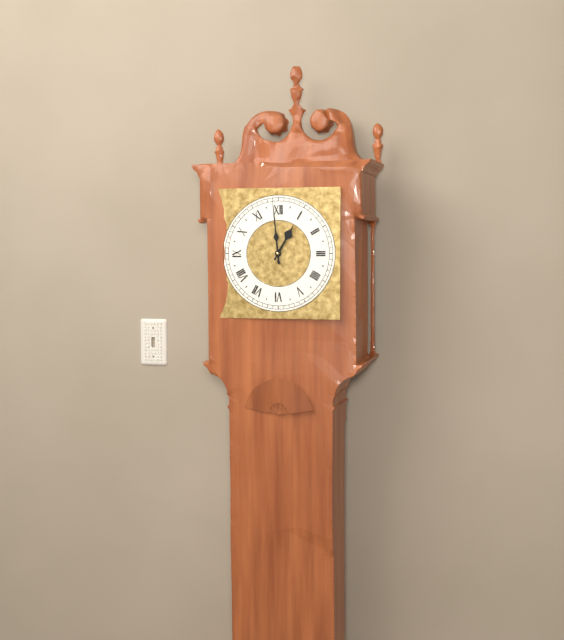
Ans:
**12:59**
